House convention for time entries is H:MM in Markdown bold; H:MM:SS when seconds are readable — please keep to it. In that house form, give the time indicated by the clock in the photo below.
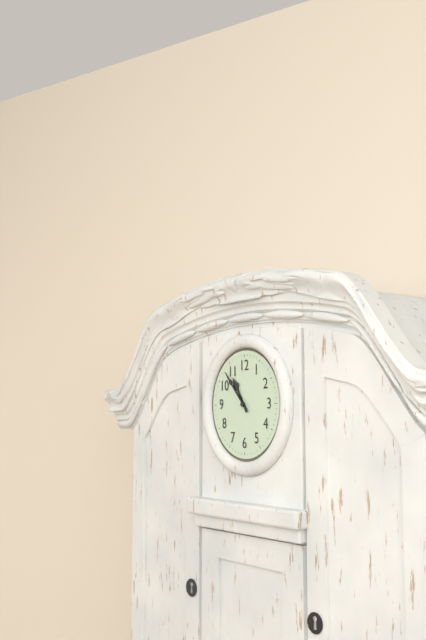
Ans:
**10:53**
